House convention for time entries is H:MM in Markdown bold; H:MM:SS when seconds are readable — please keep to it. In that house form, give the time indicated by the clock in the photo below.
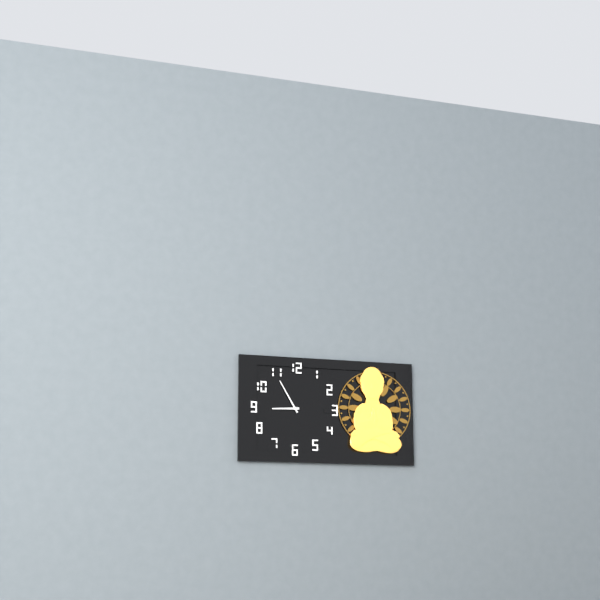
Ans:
**8:55**
